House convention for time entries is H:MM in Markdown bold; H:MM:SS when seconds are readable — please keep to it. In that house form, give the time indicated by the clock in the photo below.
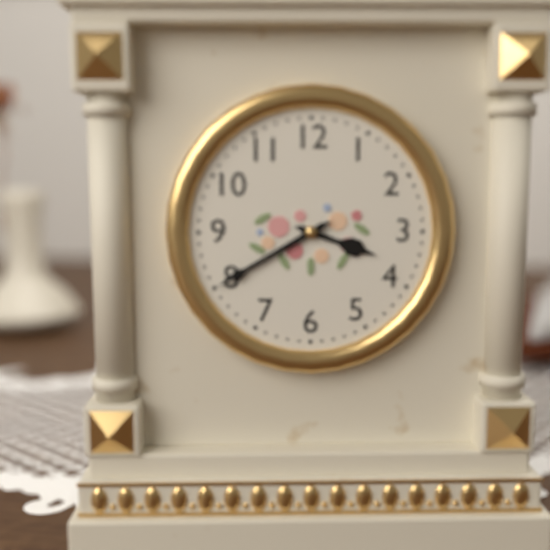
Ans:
**3:40**
